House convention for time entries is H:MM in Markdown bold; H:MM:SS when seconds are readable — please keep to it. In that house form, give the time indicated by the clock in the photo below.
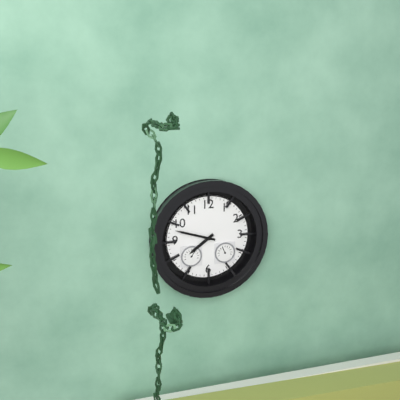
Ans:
**7:48**
